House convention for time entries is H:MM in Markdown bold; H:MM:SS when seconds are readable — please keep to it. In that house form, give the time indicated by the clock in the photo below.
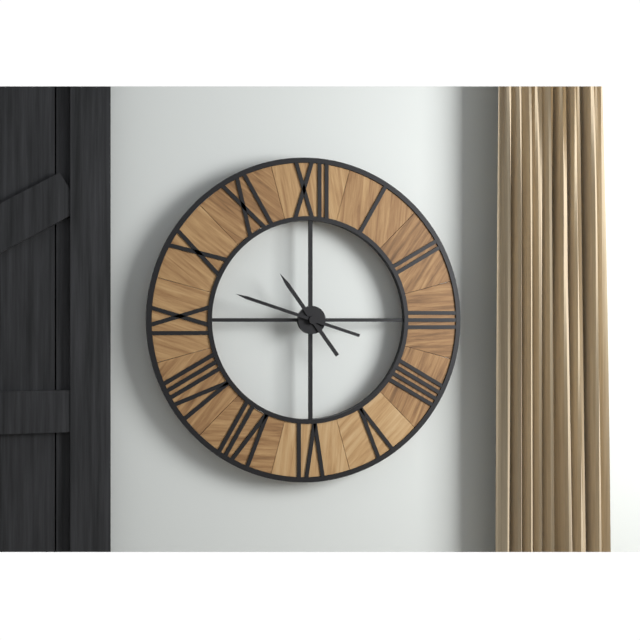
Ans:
**10:48**
